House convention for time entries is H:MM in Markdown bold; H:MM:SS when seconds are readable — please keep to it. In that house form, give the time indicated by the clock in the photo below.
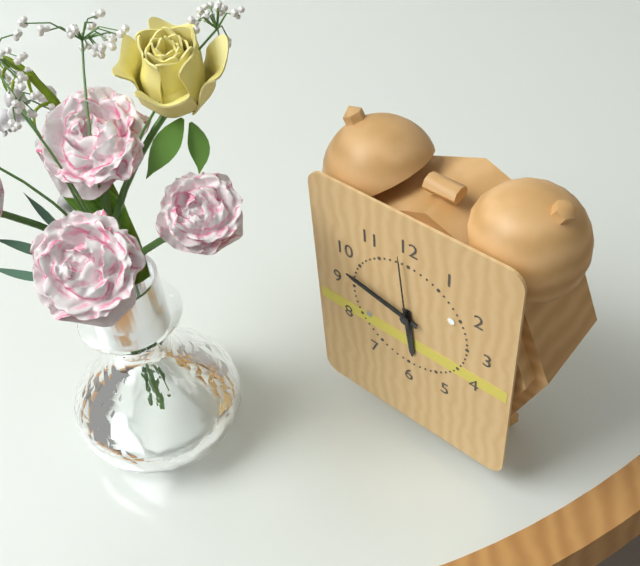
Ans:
**5:47:59**
